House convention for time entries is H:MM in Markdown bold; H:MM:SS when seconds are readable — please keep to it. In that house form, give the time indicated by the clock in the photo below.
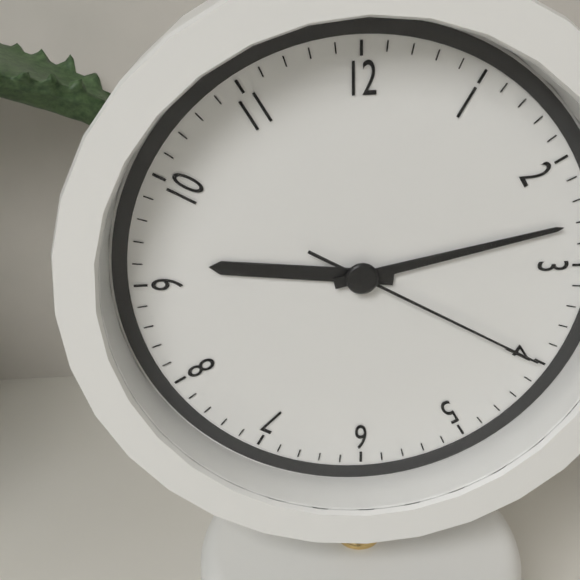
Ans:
**9:13:20**
